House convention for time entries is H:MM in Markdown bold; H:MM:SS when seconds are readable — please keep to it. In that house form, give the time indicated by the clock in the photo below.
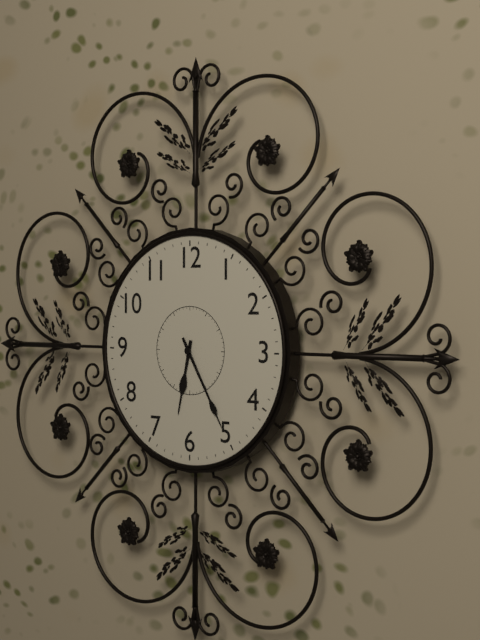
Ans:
**6:25**
